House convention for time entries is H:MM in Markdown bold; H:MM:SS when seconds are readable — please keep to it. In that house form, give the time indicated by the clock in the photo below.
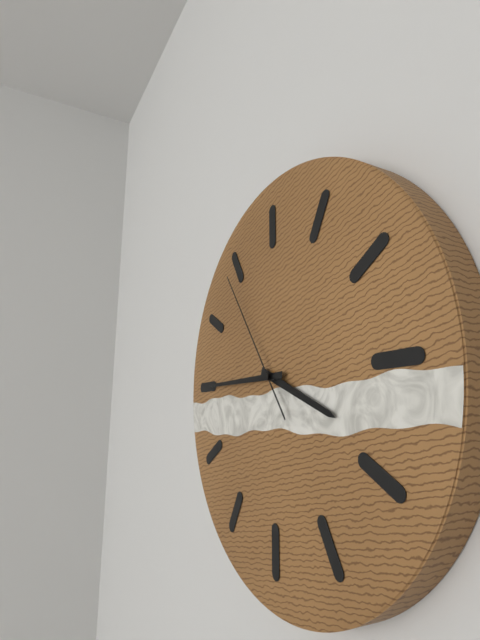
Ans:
**3:45:54**
